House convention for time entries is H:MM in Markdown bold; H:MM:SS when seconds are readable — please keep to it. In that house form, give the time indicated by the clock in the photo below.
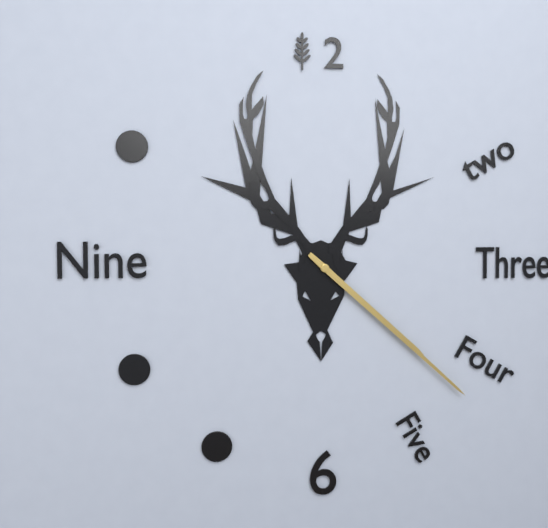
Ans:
**4:22**
